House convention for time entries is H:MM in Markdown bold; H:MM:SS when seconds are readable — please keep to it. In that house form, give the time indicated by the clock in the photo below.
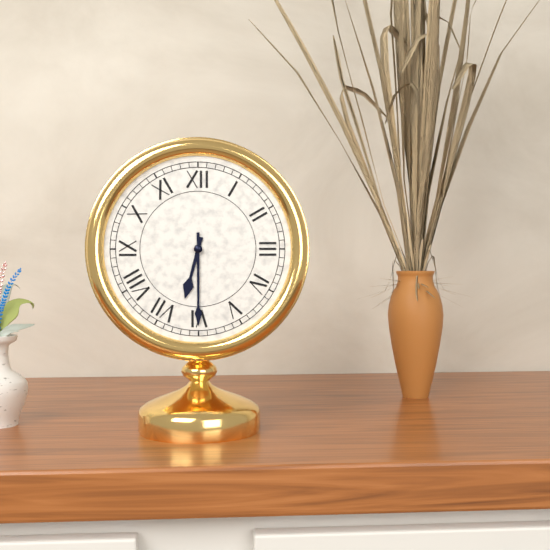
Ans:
**6:30**
